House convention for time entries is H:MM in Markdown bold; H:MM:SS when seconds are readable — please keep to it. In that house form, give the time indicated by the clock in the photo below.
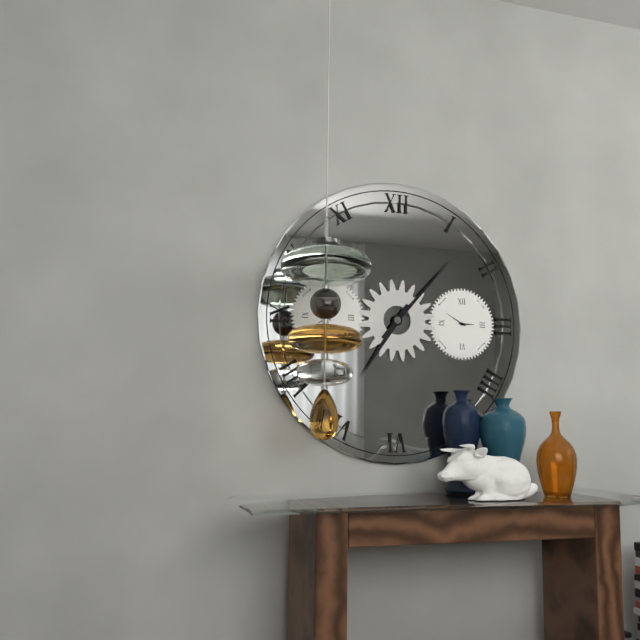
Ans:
**7:07**
